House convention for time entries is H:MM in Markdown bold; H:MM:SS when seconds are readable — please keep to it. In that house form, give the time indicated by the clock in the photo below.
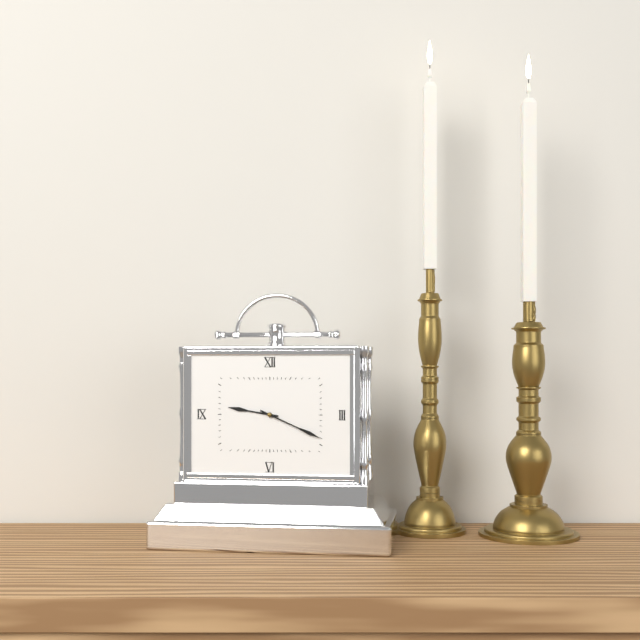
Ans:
**9:19**
